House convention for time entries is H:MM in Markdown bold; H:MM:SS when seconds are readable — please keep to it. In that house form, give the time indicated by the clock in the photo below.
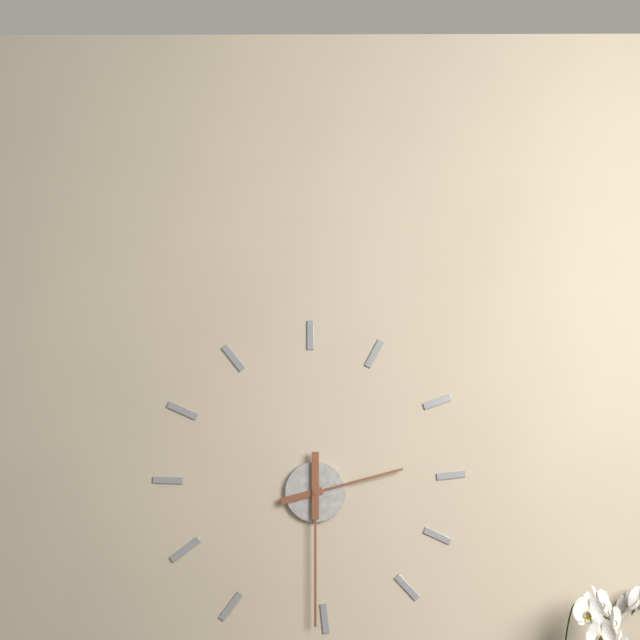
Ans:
**2:30**
